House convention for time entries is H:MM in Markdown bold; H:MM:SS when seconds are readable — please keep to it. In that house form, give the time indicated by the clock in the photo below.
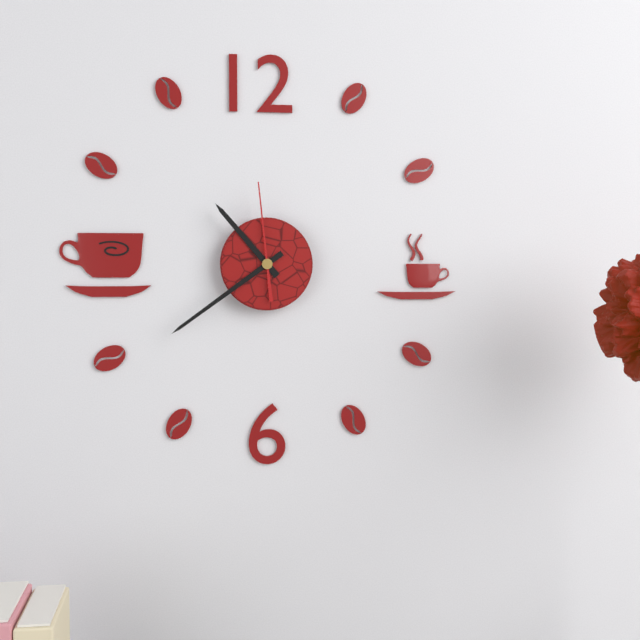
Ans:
**10:39:59**
